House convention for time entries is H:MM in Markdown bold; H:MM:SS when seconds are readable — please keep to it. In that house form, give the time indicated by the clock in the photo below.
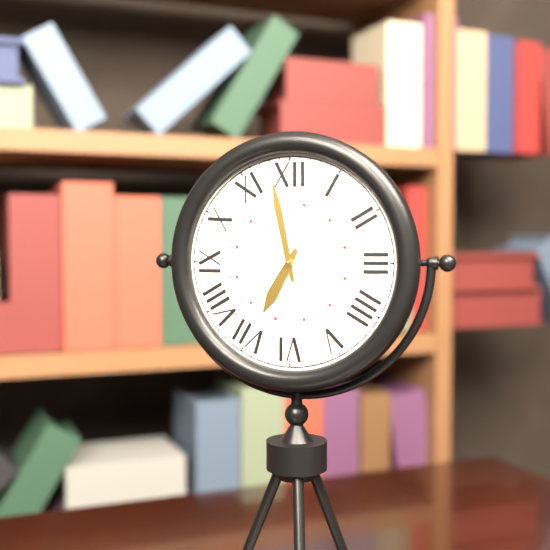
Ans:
**6:58**
